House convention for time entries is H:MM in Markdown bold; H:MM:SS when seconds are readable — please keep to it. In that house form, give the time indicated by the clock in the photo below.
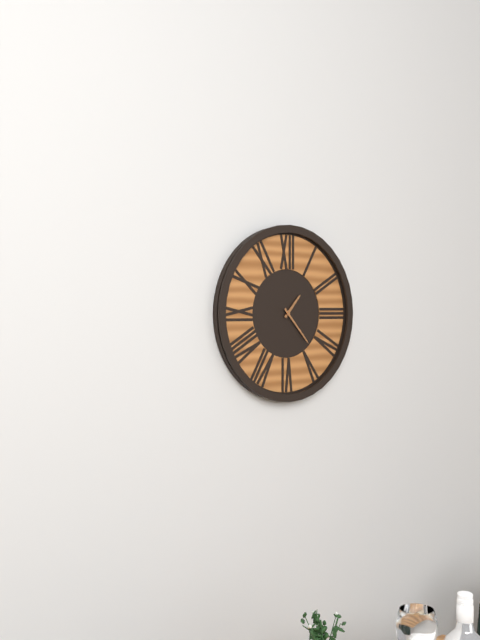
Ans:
**1:23**
